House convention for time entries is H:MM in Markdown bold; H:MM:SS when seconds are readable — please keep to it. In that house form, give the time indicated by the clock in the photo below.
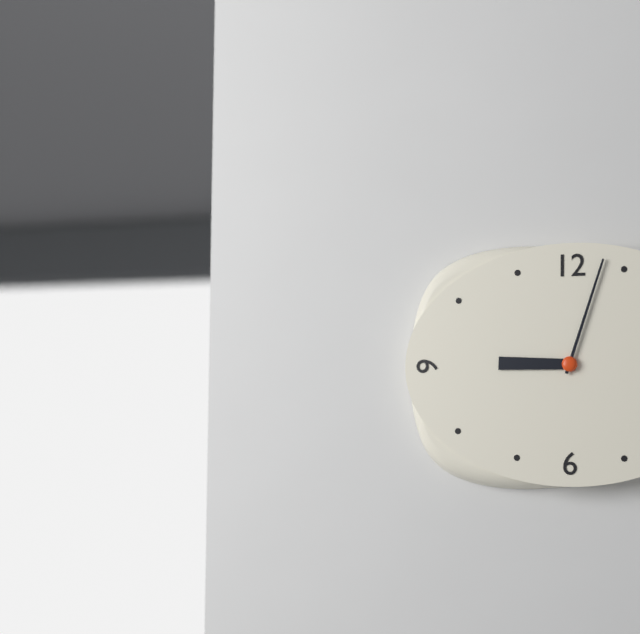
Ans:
**9:03**
